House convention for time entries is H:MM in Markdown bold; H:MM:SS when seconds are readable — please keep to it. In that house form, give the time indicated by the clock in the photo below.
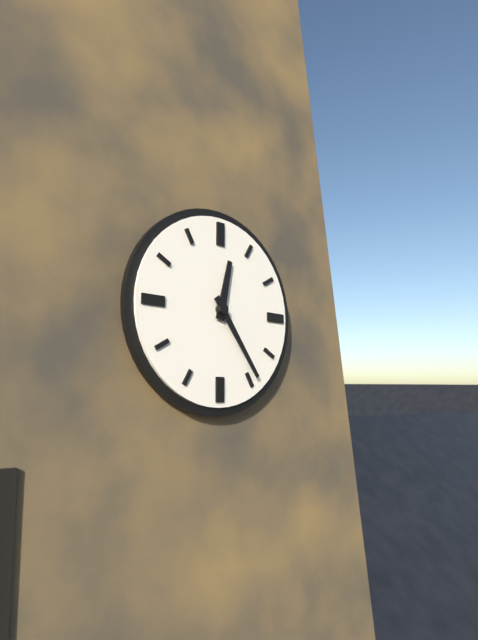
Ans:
**12:24**
